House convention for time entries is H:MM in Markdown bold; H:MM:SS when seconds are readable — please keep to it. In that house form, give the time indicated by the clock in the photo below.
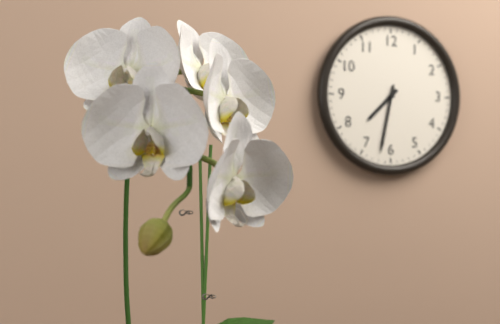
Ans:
**7:32**
